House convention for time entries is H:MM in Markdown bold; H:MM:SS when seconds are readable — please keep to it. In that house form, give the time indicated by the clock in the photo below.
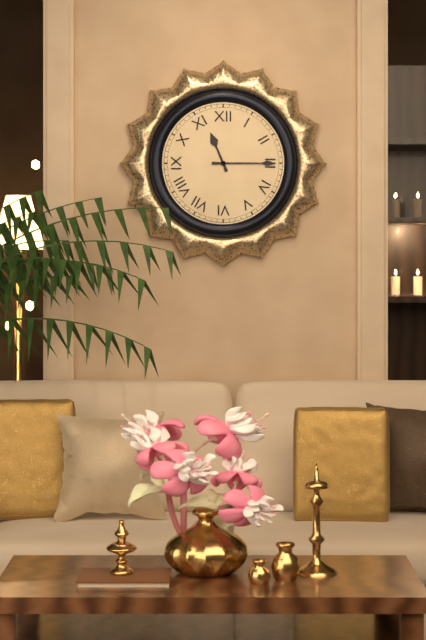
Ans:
**11:15**
